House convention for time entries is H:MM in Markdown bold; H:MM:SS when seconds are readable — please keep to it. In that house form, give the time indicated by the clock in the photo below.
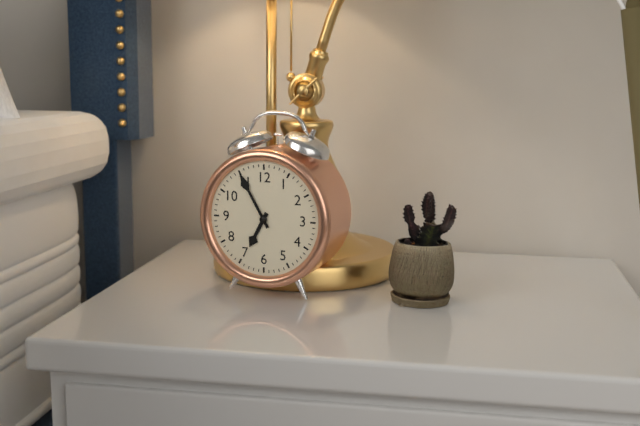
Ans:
**6:55**
